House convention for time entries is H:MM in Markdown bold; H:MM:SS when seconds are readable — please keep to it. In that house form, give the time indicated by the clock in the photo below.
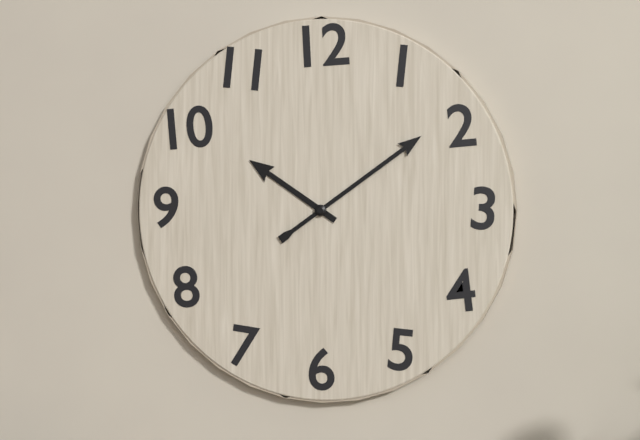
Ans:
**10:09**
